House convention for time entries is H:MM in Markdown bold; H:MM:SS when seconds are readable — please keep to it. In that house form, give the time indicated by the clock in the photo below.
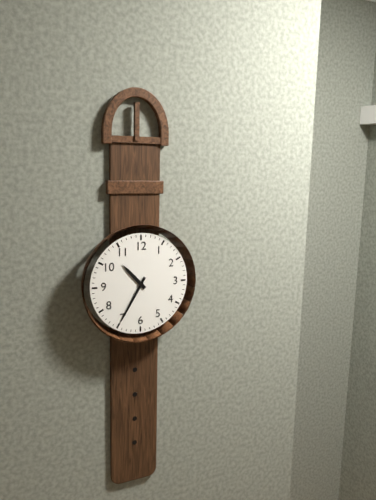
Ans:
**10:35**
